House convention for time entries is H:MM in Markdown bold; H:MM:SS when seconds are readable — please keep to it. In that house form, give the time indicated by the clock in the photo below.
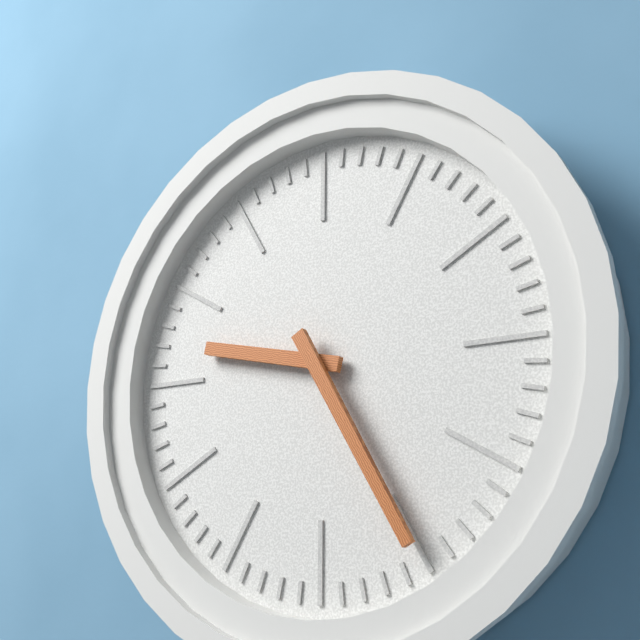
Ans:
**9:25**
